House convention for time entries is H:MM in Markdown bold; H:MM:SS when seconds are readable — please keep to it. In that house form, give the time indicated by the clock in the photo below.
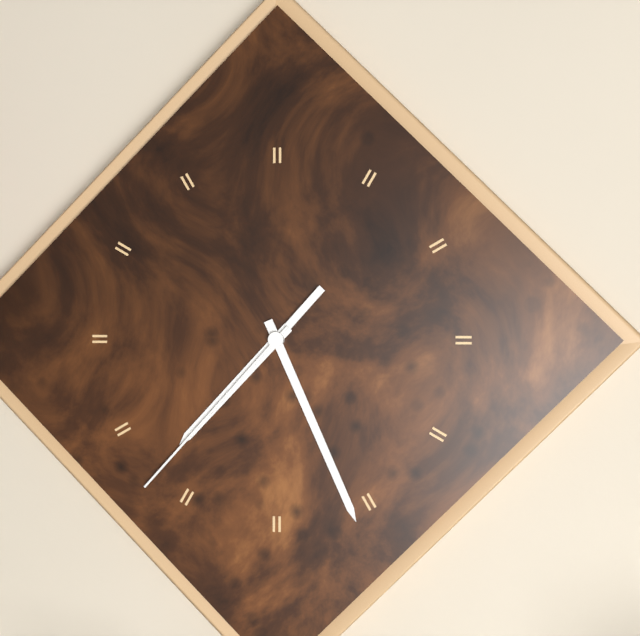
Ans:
**7:26:37**
